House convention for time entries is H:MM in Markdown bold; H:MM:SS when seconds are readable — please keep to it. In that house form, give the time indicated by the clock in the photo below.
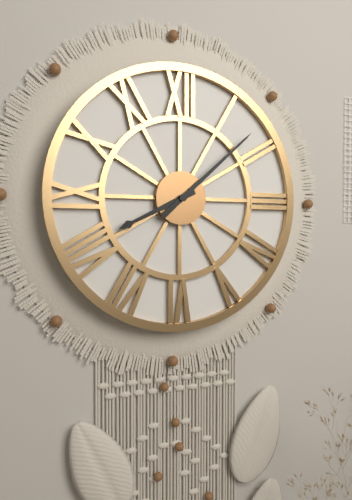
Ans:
**8:08**
